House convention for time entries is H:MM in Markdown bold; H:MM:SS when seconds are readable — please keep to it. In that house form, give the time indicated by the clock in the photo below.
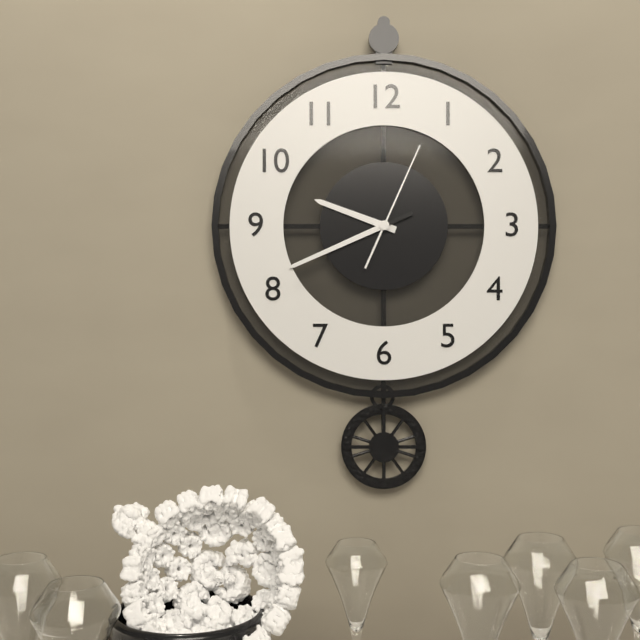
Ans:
**9:41:04**
